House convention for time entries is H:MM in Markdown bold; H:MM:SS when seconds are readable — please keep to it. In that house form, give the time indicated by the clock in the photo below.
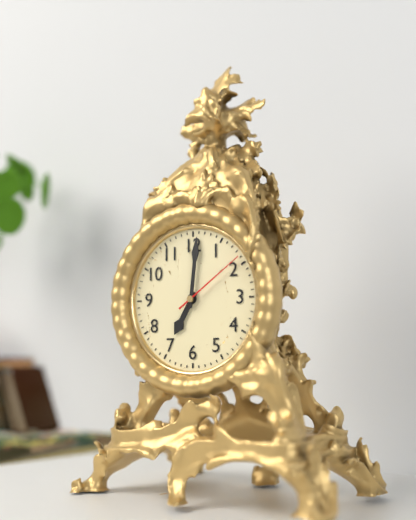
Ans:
**7:01:09**
